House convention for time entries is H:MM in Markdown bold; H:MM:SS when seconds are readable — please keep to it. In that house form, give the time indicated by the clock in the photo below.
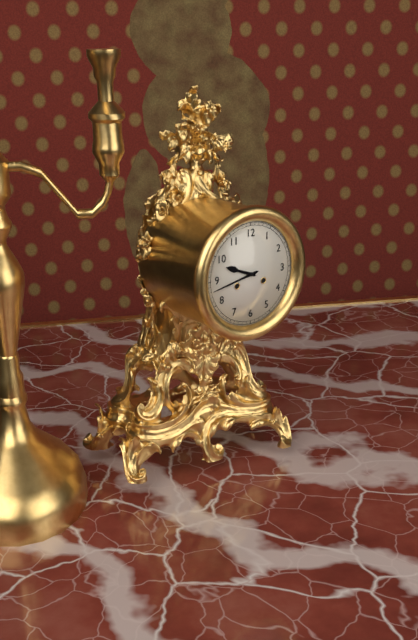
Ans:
**9:43**
